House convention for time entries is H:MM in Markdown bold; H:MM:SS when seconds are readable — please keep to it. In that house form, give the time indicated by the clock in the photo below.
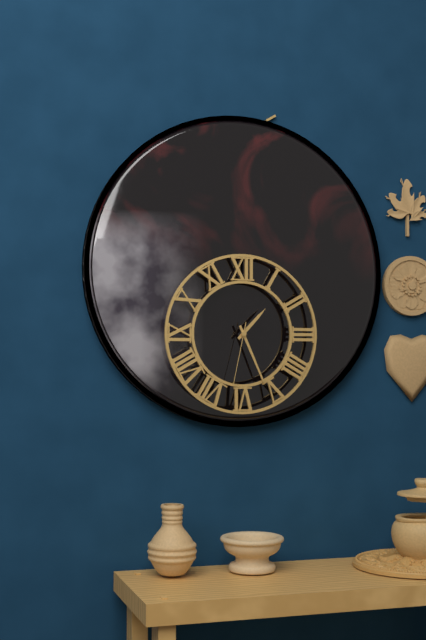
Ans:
**1:26:32**
